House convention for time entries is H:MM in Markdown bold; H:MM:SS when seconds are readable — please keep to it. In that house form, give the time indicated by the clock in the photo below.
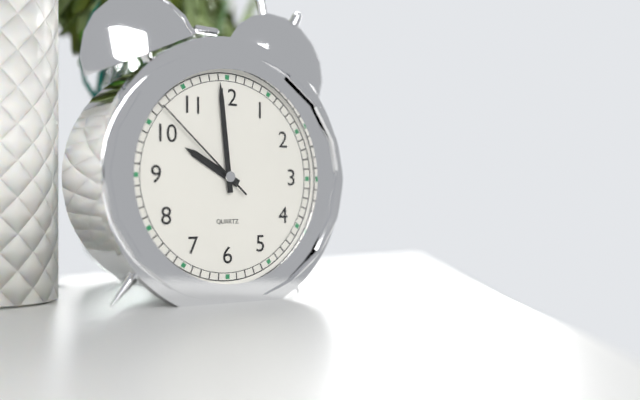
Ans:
**9:59:52**
